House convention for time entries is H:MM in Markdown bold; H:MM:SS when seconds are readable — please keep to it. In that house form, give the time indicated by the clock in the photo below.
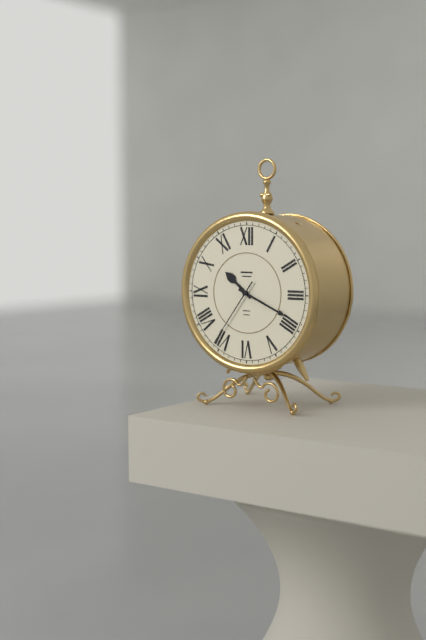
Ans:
**10:19:36**
